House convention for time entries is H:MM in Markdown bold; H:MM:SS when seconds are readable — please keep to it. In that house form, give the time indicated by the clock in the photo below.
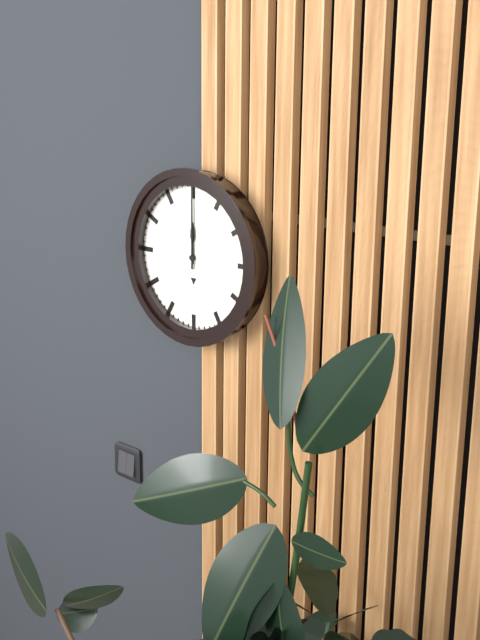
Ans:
**12:00**
